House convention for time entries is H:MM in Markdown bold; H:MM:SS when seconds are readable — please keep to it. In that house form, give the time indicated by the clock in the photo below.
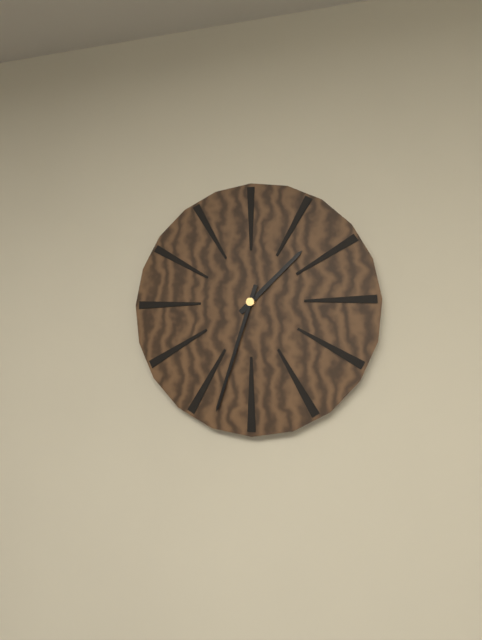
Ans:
**1:33**
